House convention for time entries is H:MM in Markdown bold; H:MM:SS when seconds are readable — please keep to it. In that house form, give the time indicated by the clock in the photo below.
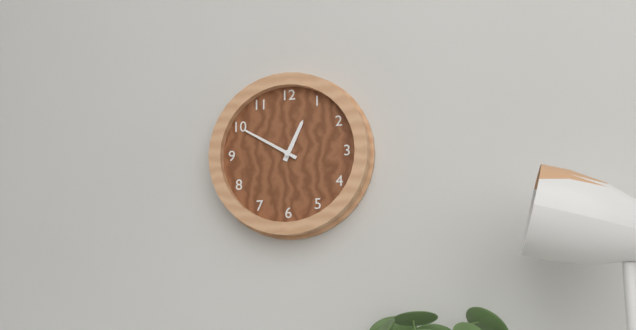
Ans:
**12:50**
